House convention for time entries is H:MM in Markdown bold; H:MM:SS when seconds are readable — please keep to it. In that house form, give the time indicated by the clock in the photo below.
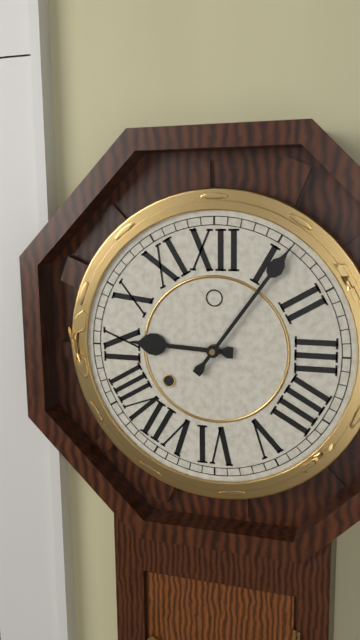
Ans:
**9:06**
